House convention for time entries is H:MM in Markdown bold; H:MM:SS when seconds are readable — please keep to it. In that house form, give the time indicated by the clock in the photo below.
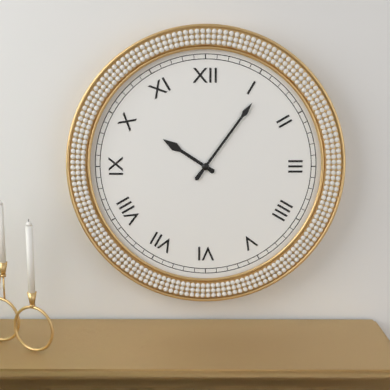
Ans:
**10:06**
